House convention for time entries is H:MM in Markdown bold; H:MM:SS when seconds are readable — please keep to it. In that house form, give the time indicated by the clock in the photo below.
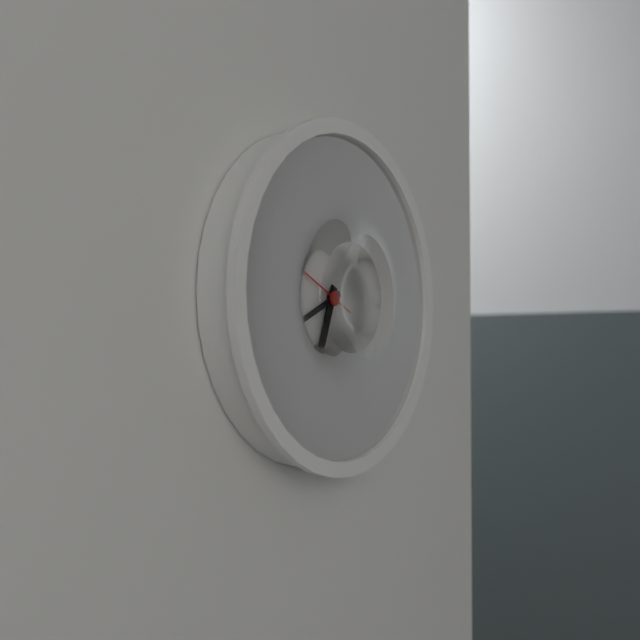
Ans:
**6:41:49**
